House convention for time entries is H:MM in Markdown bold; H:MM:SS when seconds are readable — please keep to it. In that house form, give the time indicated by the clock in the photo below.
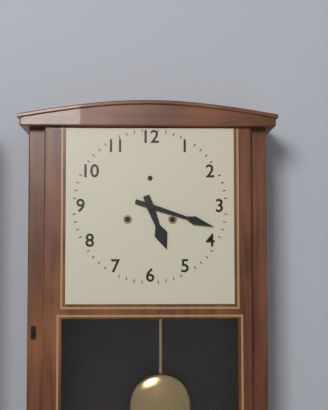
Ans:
**5:18**
